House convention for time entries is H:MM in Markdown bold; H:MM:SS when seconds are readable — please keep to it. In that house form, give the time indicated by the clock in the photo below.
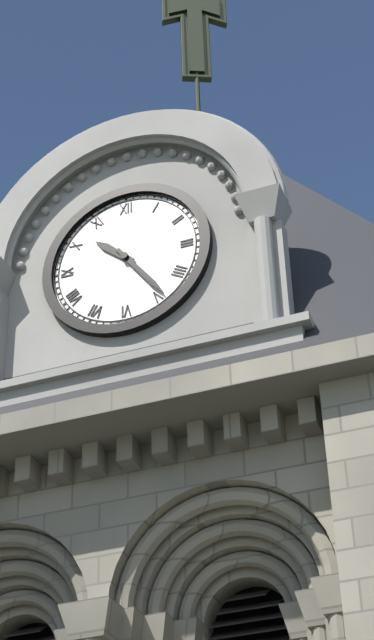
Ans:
**10:24**
